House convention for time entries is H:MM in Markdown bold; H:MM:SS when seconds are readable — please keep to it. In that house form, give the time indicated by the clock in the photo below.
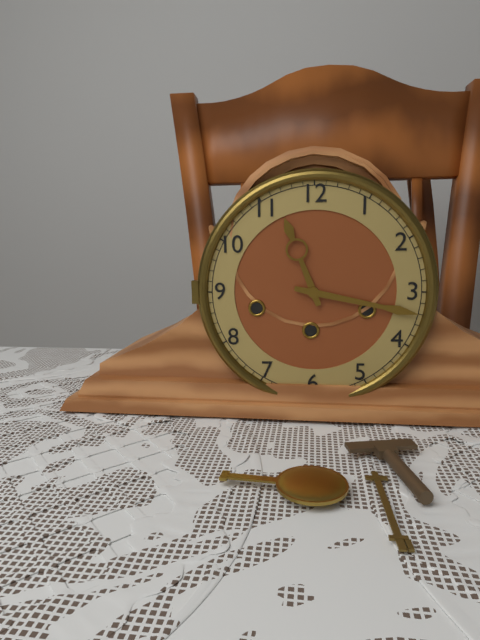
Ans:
**11:17**
